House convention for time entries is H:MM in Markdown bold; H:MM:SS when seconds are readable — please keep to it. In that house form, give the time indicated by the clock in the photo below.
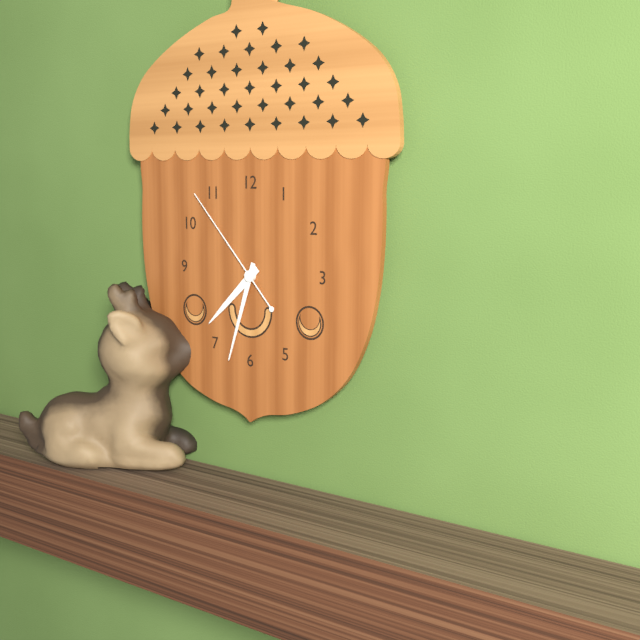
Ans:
**7:33:53**
